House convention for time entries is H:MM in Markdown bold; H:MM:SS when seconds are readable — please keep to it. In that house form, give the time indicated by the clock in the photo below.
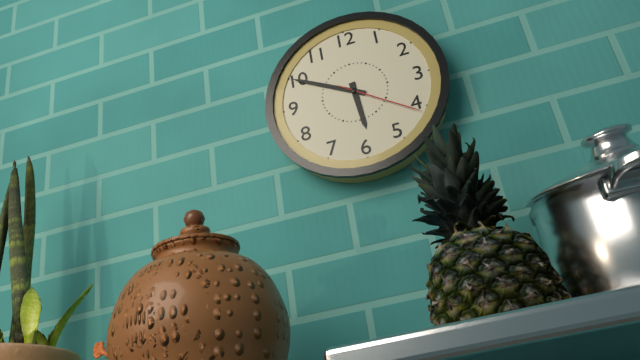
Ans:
**5:50:21**
